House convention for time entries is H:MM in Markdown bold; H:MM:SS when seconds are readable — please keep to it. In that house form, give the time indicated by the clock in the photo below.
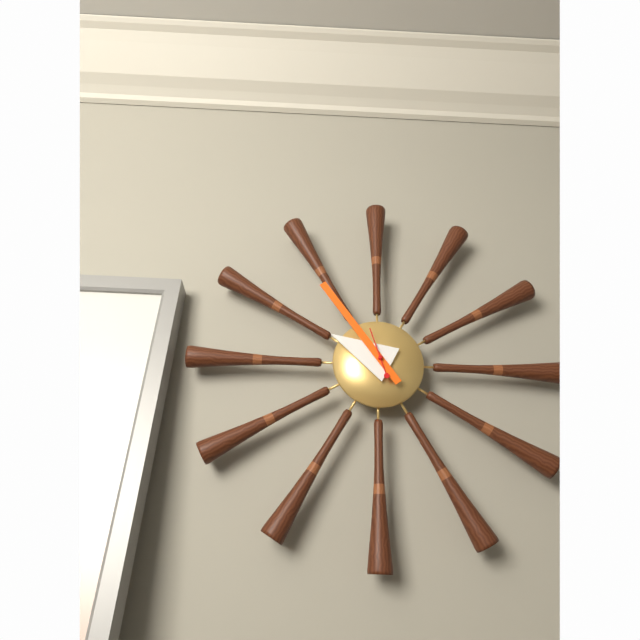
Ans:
**9:54:57**
